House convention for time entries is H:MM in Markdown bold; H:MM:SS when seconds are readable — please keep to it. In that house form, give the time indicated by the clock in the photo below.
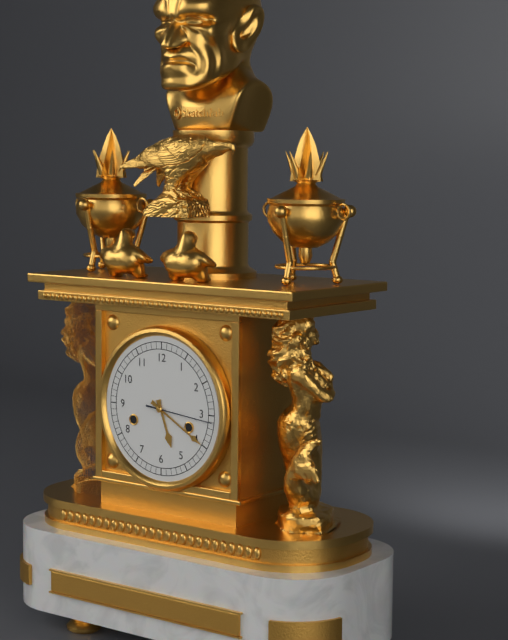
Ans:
**5:20:16**
